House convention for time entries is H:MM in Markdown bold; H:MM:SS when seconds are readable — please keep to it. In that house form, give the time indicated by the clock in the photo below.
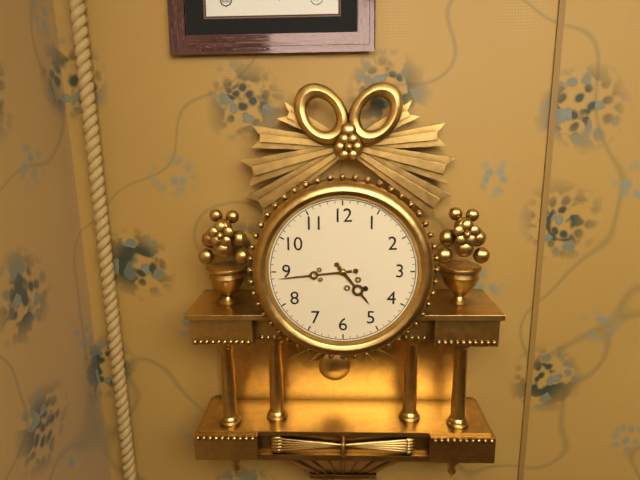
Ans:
**4:44**
